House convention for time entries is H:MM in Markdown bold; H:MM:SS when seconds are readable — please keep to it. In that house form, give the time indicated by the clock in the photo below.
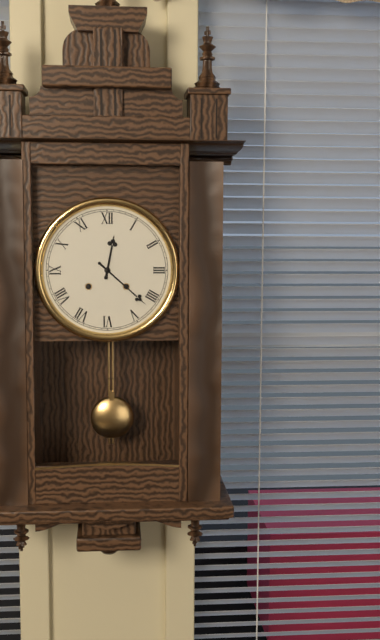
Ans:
**12:22**
